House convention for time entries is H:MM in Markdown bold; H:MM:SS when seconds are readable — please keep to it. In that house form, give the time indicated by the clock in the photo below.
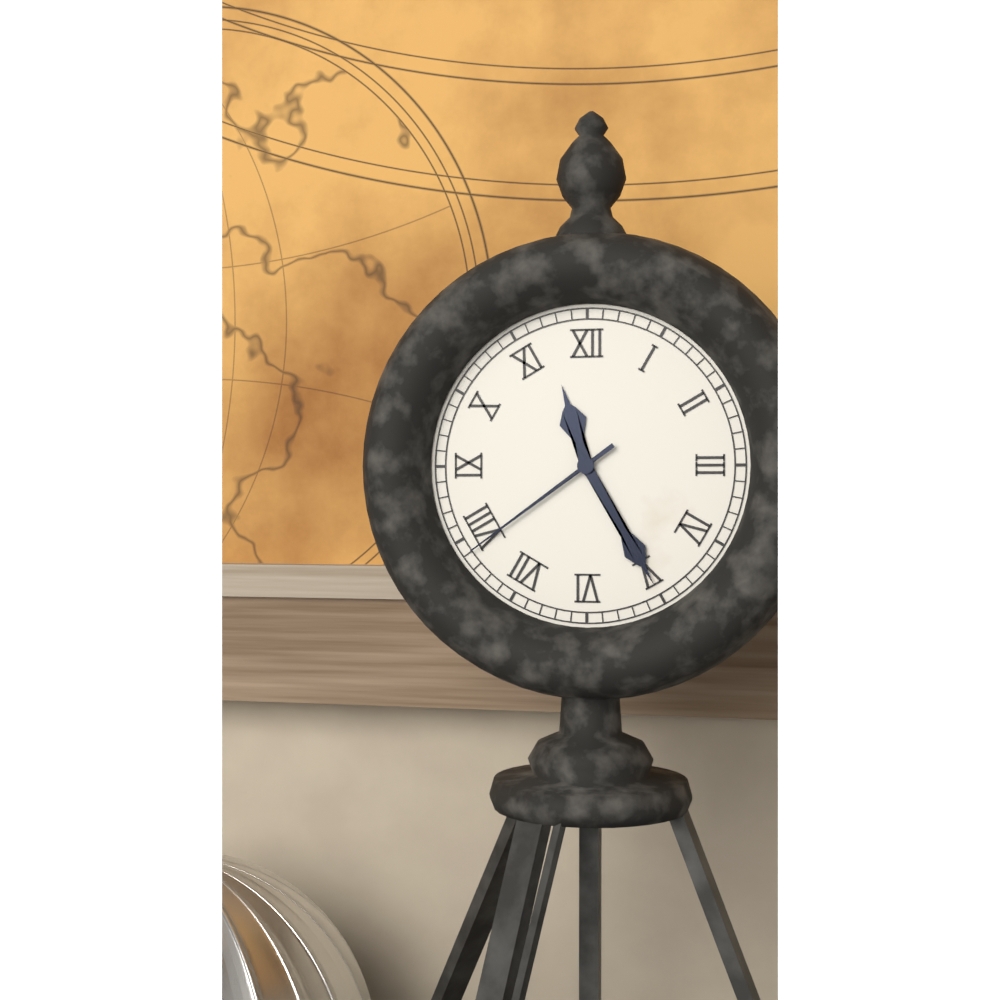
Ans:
**11:25:39**
